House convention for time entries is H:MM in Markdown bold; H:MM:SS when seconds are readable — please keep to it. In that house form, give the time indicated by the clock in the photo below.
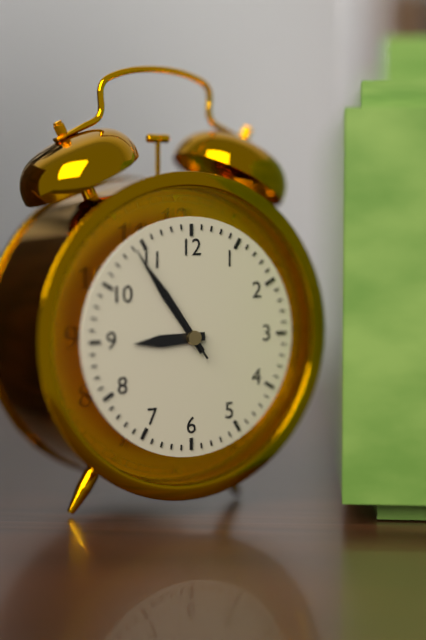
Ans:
**8:54:54**
